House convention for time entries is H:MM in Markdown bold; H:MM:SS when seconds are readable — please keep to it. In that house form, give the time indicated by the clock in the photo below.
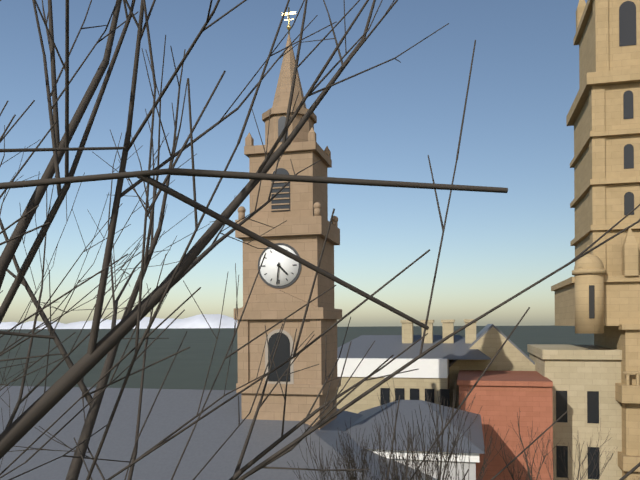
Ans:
**4:31**
